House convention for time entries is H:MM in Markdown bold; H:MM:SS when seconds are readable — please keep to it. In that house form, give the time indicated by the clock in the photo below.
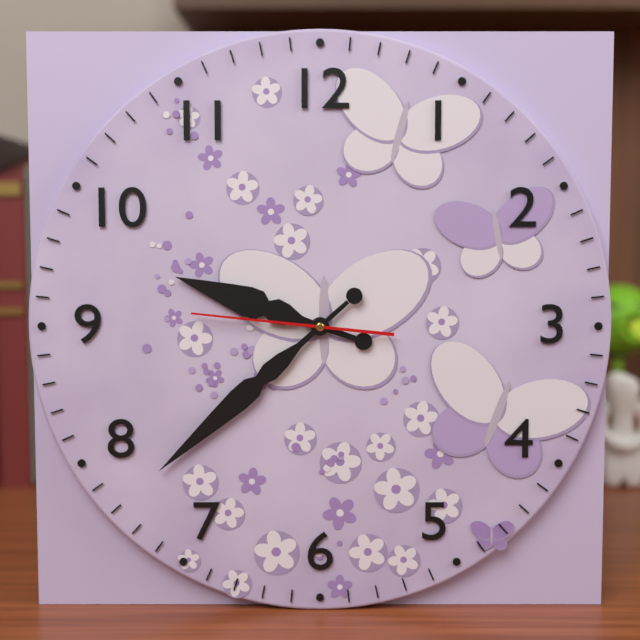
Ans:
**9:38:46**
